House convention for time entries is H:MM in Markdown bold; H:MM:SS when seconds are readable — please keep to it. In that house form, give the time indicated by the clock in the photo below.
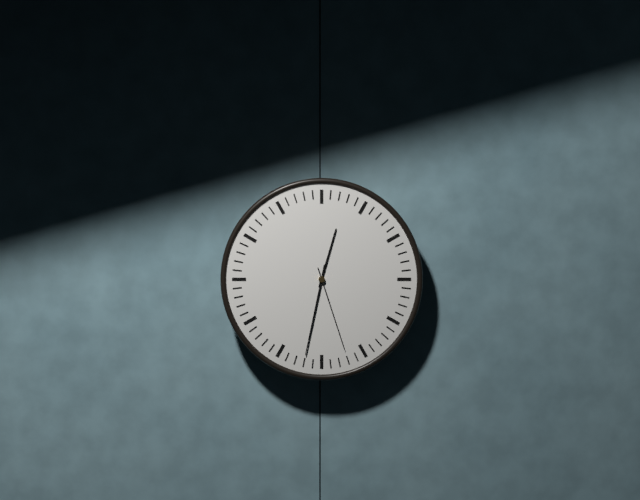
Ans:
**12:32:27**
